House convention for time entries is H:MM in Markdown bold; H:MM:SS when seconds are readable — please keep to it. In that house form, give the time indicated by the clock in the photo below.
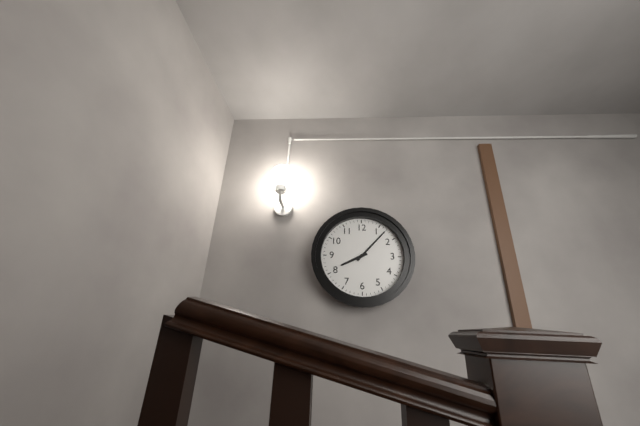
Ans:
**8:07**
